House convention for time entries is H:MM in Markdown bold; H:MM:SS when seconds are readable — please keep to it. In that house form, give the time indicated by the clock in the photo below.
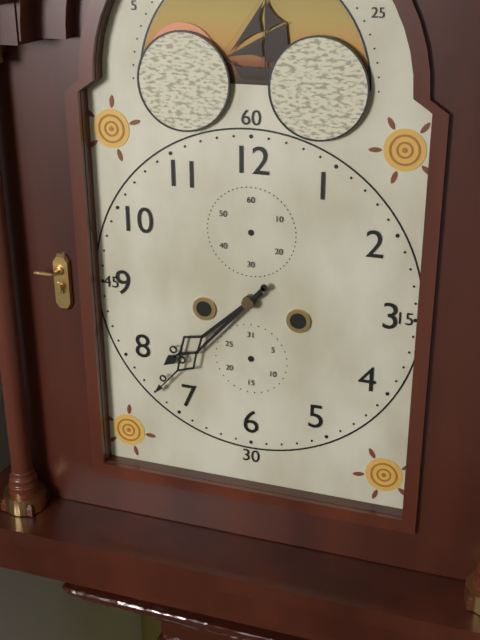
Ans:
**7:37**
